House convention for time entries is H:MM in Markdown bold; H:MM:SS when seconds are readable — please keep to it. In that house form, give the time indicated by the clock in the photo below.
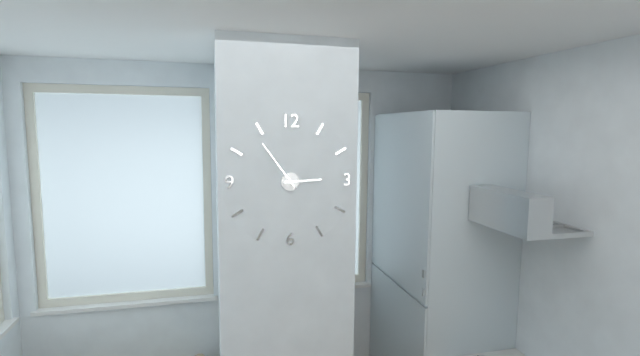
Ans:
**2:54**
